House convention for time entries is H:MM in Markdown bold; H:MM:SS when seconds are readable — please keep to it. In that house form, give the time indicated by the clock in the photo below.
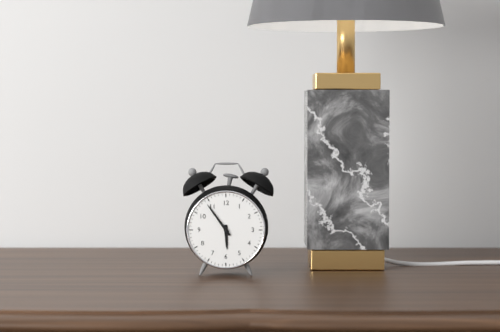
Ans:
**5:54**
